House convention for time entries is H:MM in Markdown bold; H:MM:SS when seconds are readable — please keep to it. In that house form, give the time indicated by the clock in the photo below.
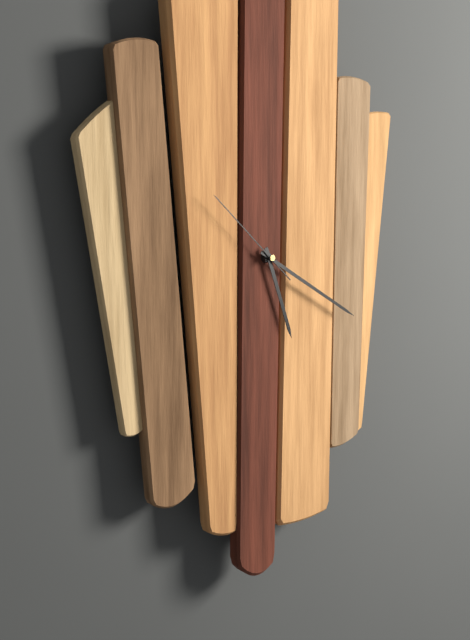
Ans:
**5:20:52**
